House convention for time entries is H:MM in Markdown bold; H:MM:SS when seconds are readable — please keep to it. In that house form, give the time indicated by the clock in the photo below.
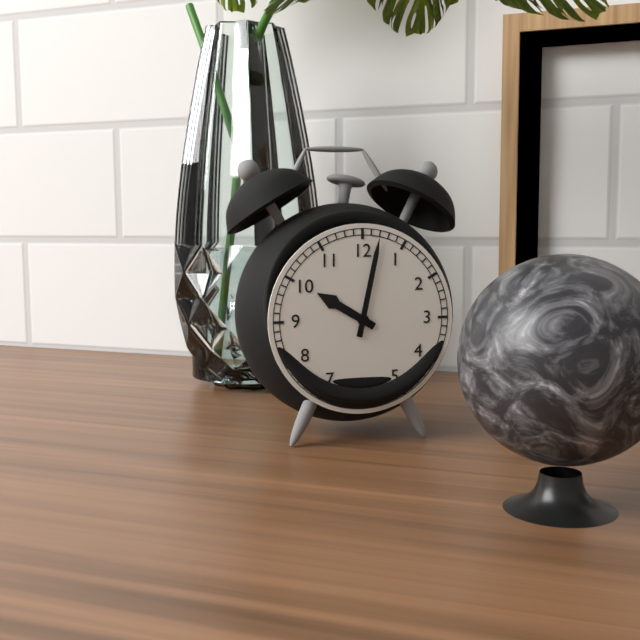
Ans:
**10:02**
